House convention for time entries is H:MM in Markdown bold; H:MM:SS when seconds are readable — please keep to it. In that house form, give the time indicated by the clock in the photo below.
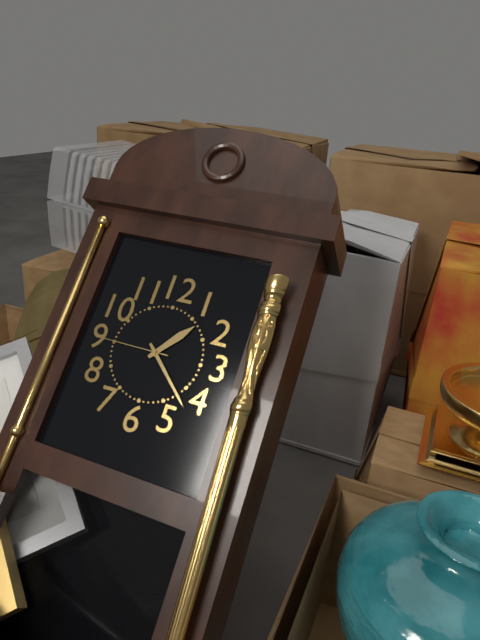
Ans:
**1:22:45**
